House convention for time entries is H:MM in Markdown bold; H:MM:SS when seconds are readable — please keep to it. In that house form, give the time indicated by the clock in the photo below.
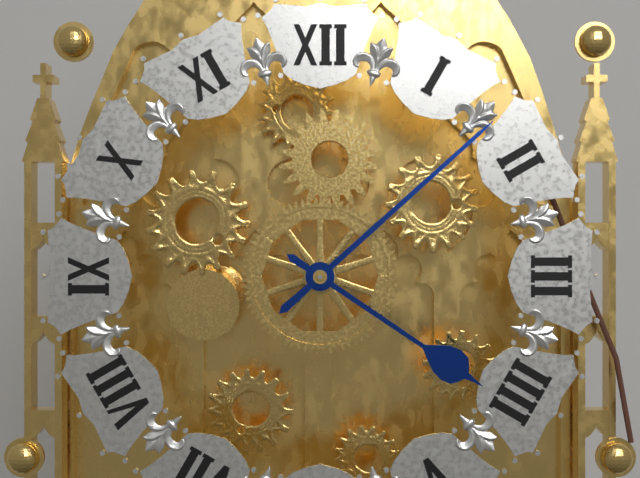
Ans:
**4:08**
